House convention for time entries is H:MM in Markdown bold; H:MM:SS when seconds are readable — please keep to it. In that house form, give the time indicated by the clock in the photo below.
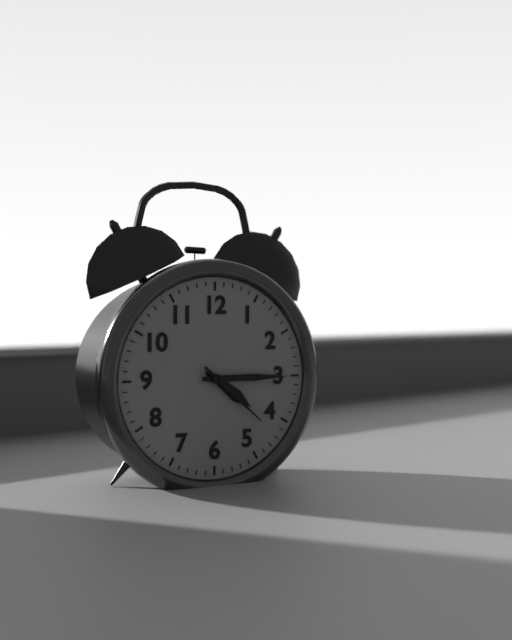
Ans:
**4:15:22**
